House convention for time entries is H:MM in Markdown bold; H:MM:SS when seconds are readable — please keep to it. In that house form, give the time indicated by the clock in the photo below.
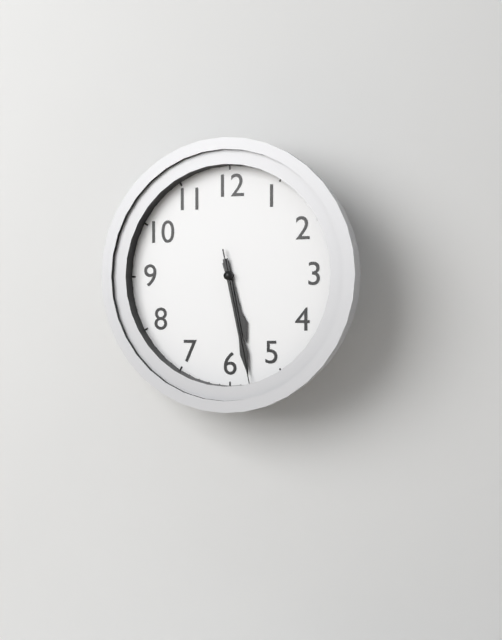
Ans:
**5:28:28**
